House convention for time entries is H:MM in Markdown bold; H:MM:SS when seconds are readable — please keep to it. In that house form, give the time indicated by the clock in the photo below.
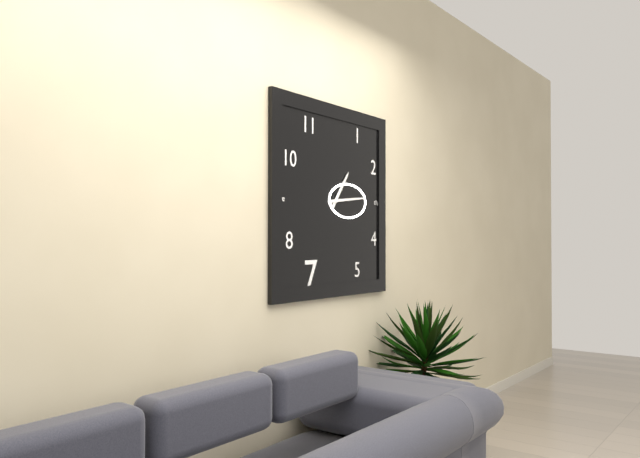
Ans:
**1:14**
